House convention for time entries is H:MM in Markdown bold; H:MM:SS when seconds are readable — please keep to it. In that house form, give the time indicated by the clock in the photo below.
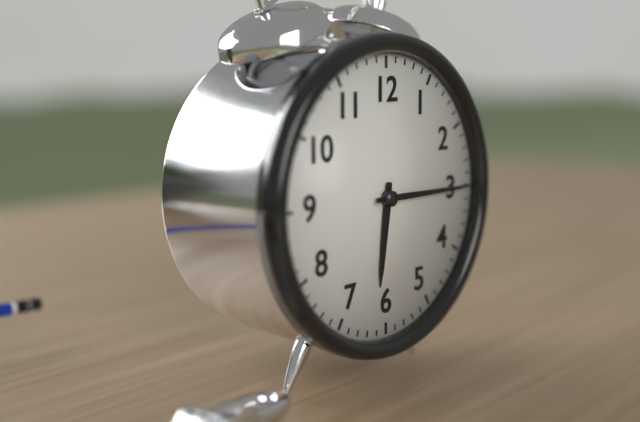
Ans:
**6:15**
